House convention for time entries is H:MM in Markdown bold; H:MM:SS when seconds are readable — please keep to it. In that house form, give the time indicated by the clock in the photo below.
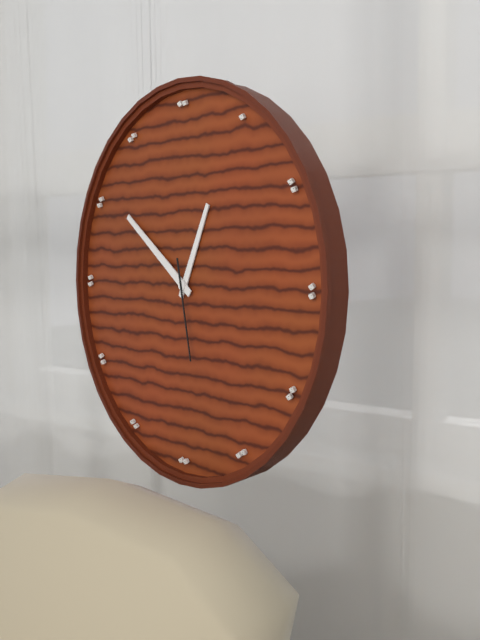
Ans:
**12:51:28**
